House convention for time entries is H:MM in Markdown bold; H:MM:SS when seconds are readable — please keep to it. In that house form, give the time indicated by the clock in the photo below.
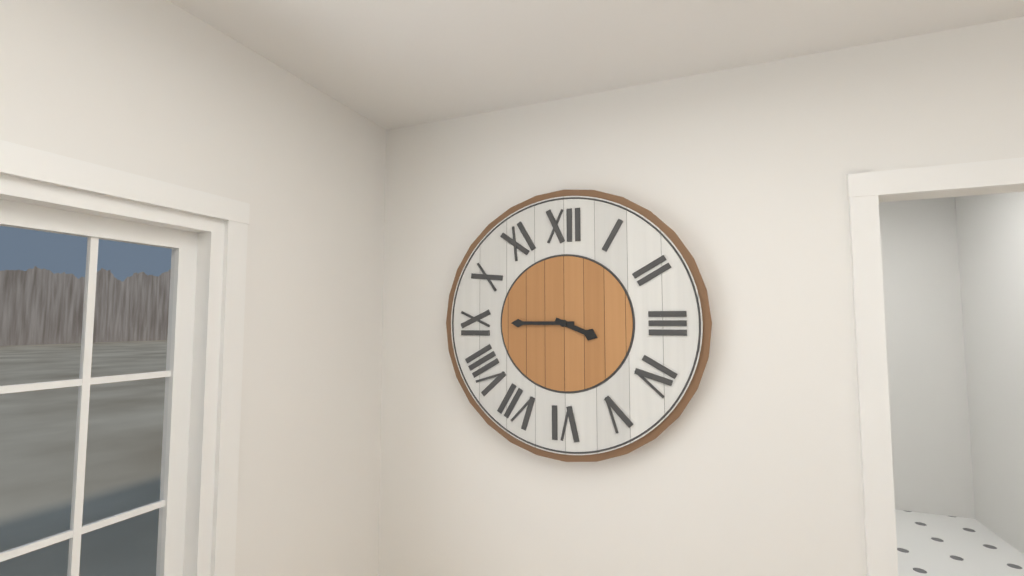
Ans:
**3:45**
